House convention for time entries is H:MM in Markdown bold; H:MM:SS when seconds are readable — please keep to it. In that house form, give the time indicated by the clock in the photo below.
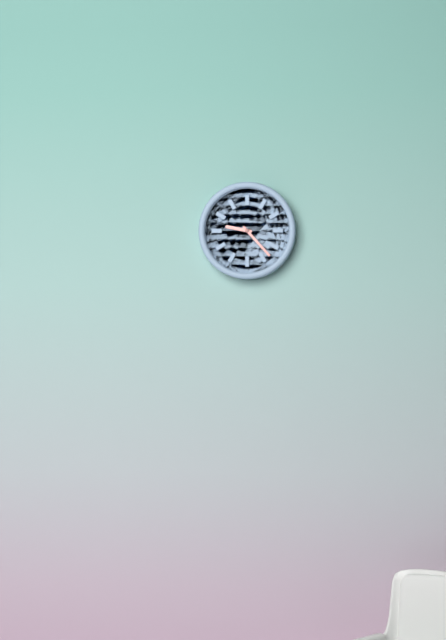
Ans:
**9:23**
